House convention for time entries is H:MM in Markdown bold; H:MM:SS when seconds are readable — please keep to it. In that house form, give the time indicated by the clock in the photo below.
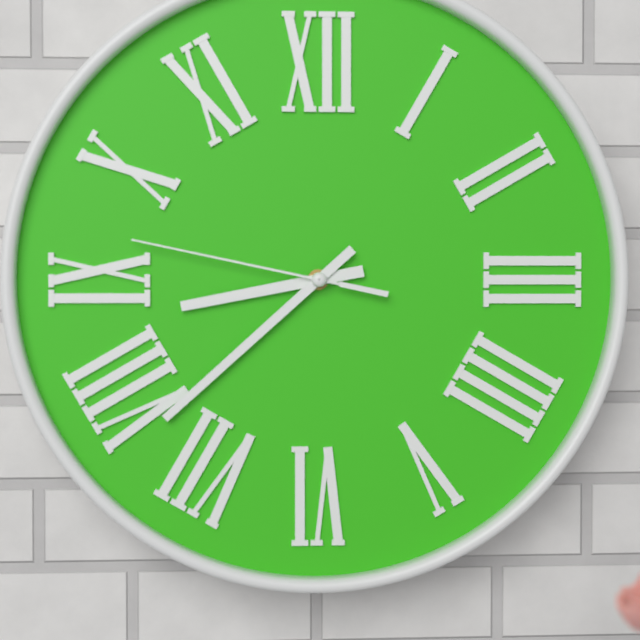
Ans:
**8:38:47**
